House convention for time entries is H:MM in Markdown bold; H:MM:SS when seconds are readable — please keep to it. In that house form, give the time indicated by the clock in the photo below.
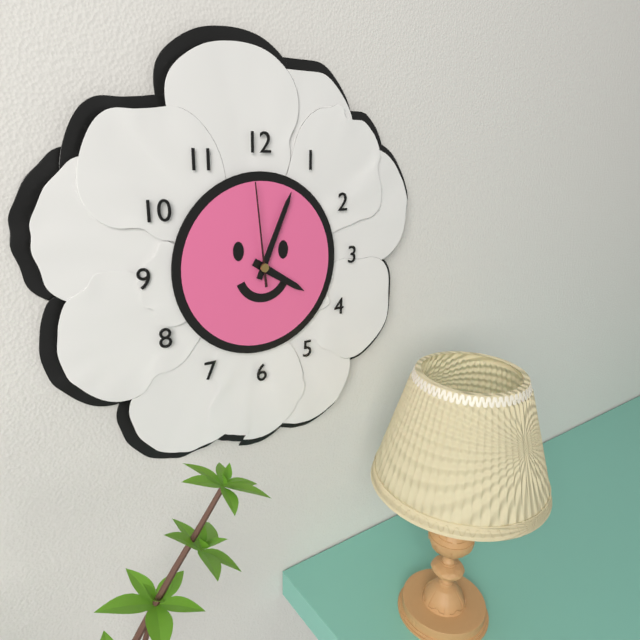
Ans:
**4:04:59**
